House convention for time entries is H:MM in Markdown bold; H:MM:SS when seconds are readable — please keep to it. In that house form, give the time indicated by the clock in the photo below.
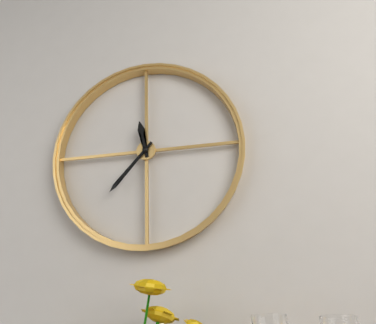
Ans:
**11:37**
